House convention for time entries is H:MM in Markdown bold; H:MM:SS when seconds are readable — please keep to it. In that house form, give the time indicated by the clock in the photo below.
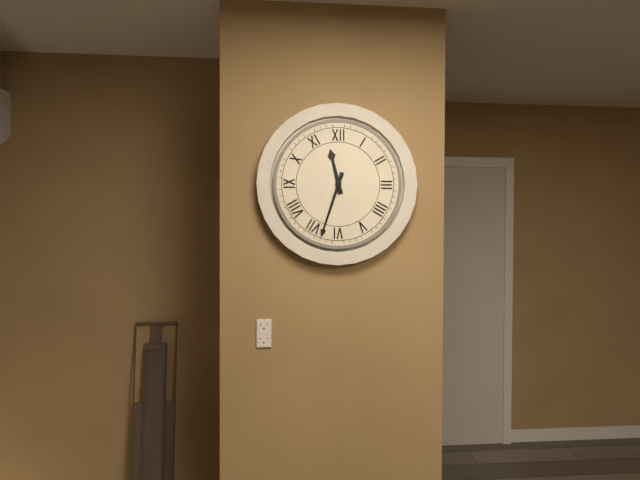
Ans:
**11:33**
